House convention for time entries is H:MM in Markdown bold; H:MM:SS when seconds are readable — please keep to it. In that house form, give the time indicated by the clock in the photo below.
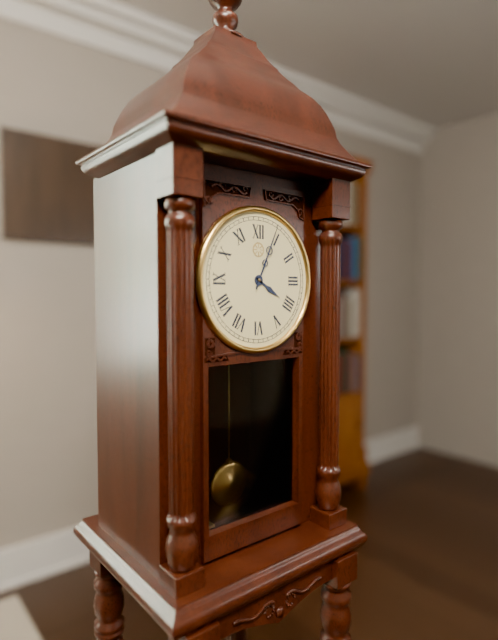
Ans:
**4:04**
